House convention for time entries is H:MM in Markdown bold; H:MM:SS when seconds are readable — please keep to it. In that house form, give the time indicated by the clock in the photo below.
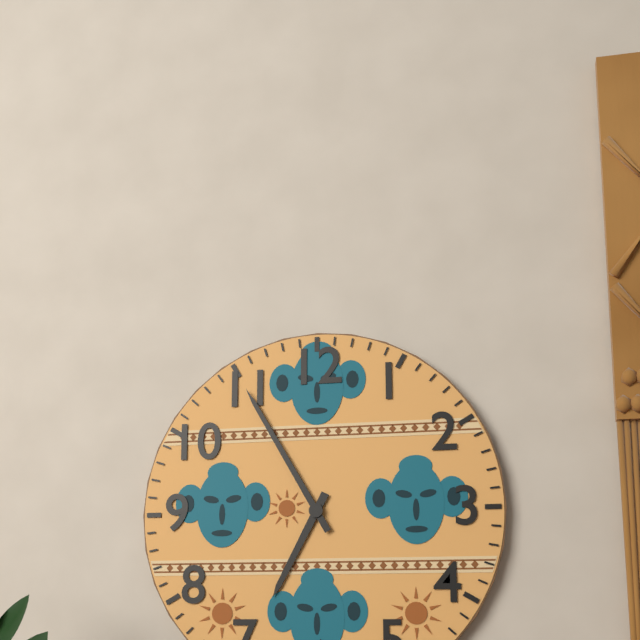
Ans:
**6:55**
